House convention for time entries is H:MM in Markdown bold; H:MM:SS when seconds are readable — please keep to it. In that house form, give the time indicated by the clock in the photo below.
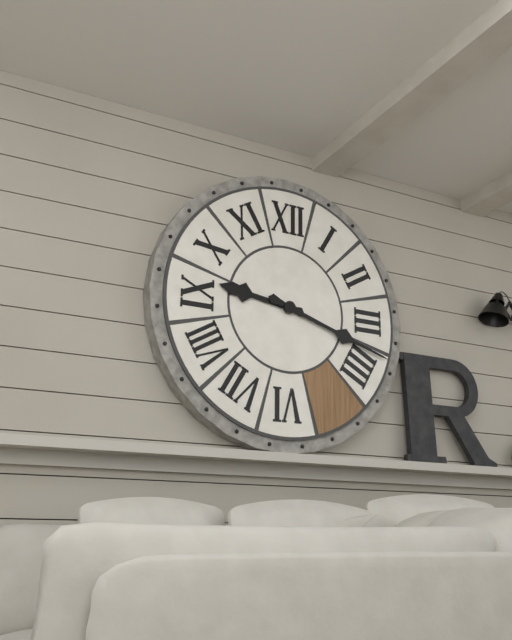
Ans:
**9:18**
